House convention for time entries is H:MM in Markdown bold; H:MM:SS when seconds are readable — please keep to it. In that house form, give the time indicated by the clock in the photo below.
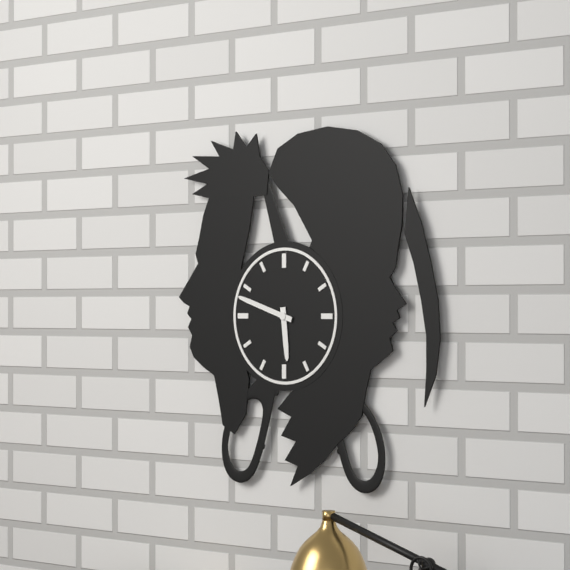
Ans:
**5:48**
